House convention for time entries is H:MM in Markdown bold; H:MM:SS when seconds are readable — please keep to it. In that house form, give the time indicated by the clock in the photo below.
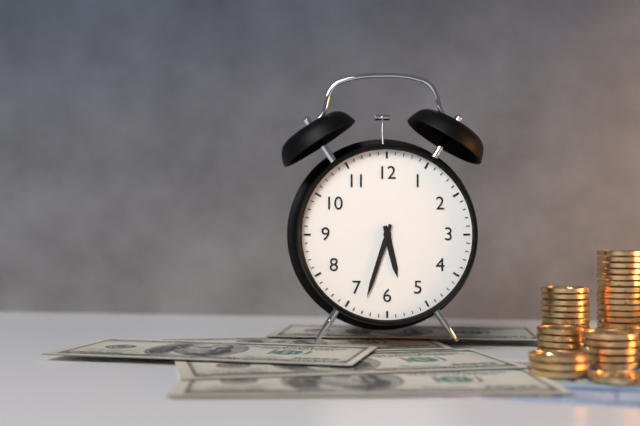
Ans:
**5:33**
